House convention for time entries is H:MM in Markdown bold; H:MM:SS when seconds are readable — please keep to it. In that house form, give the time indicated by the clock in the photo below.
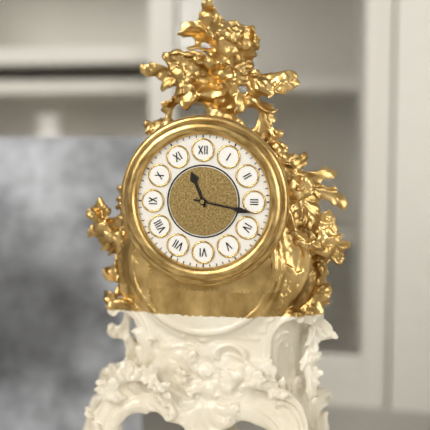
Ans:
**11:17**
